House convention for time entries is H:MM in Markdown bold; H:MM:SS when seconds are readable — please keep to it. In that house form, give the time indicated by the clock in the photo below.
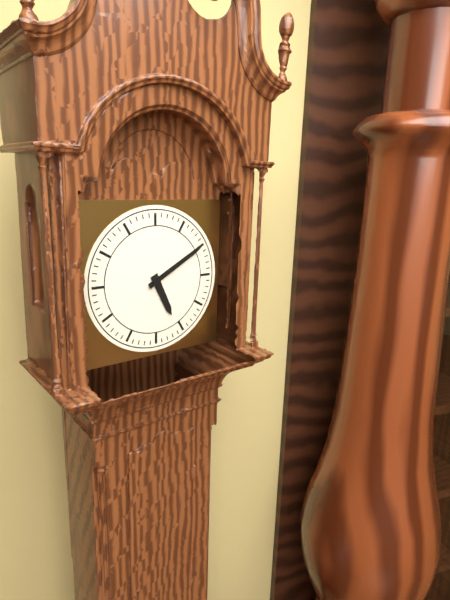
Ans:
**5:10**
